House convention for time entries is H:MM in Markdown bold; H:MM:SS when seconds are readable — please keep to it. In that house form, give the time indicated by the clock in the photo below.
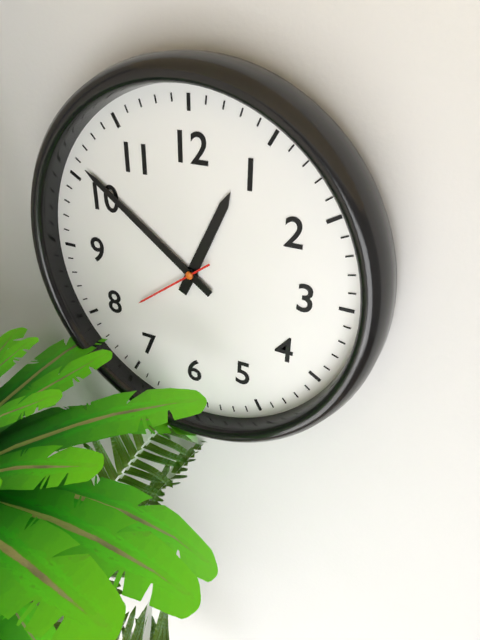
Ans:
**12:51:39**
